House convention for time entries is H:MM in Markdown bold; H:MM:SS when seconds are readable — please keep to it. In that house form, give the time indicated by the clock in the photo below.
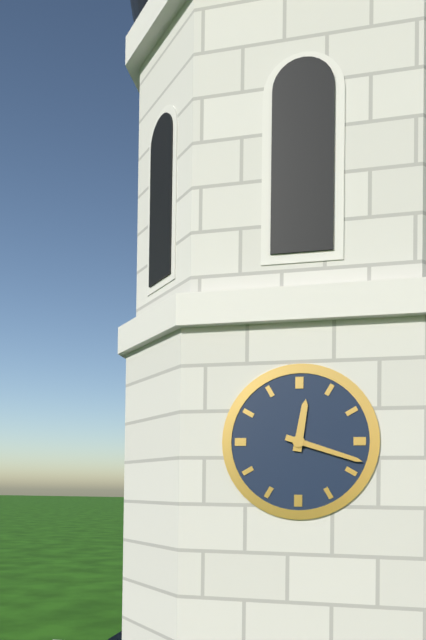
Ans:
**12:18**
